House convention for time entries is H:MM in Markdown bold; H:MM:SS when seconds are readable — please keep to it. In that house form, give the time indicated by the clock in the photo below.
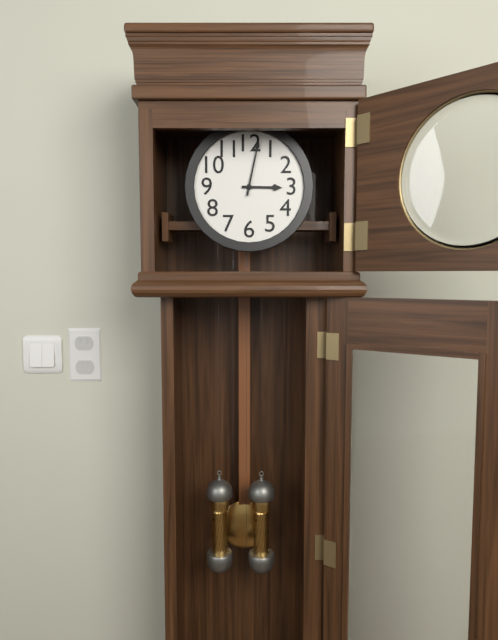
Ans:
**3:02**
